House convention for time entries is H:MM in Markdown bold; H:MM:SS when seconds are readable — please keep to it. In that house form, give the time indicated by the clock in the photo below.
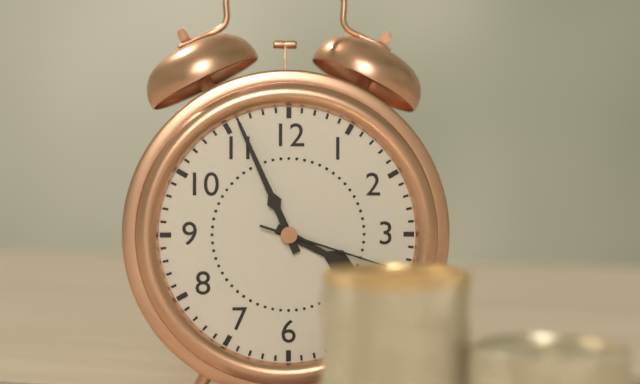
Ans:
**3:56:18**
